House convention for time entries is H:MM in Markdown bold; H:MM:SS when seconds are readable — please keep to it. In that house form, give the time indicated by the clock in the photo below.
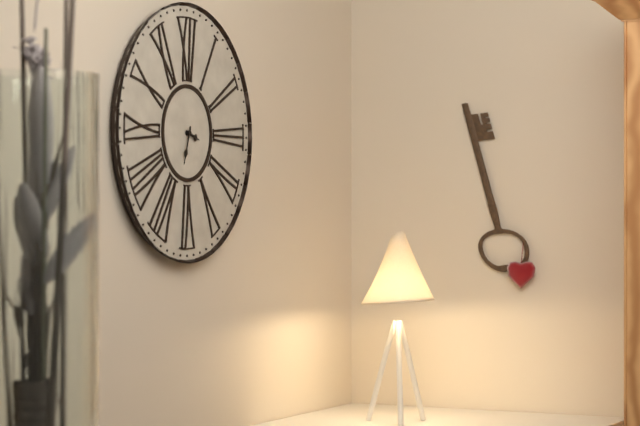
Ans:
**3:33**
